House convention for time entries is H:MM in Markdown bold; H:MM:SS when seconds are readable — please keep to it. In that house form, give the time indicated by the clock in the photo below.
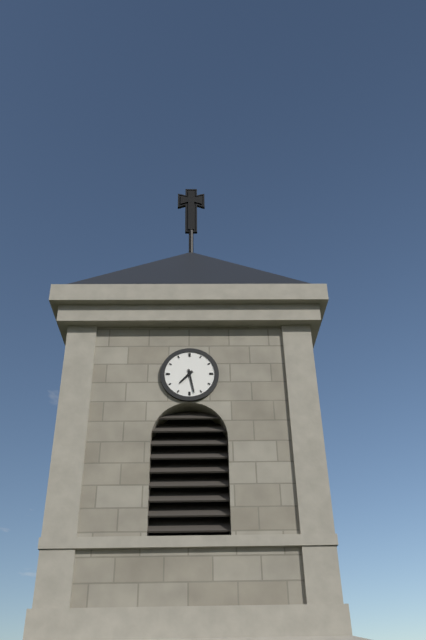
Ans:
**7:28**
